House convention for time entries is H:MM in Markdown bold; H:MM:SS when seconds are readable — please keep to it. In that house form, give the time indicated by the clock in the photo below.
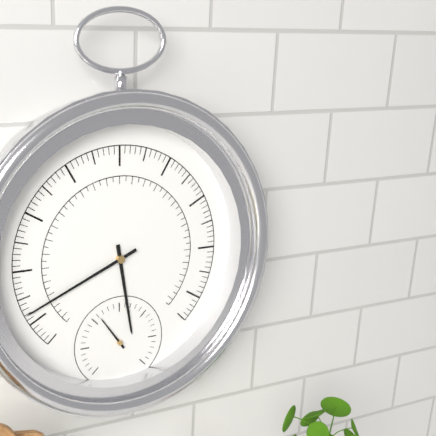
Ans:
**5:41**
